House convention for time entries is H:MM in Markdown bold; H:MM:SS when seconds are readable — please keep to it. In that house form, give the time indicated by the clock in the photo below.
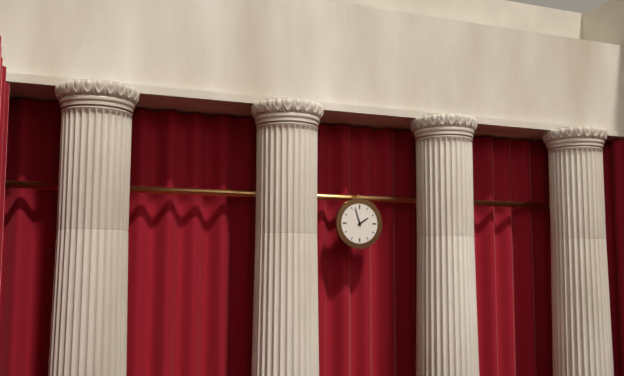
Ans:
**1:57**
